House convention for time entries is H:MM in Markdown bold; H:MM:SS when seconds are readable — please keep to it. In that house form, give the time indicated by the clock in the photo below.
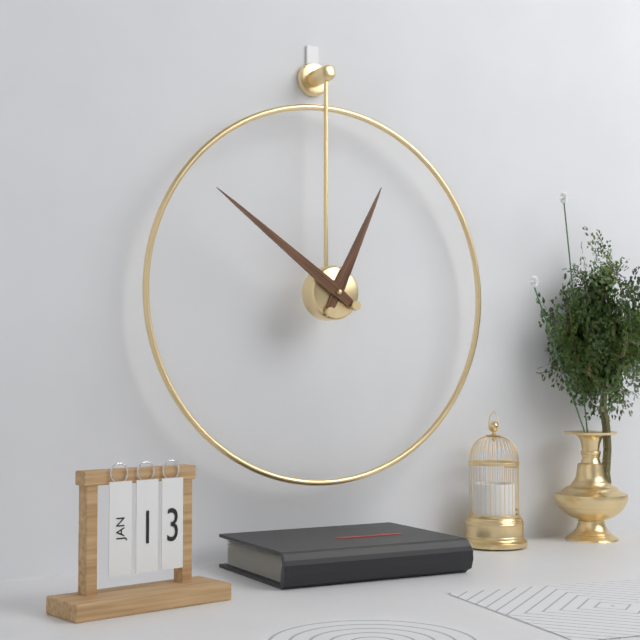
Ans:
**12:51**
